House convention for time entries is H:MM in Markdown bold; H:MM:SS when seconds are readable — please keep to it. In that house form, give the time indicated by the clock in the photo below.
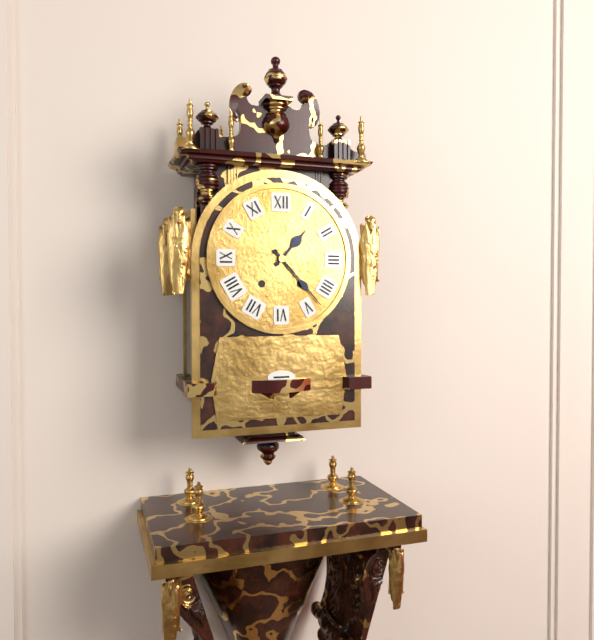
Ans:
**1:23**
